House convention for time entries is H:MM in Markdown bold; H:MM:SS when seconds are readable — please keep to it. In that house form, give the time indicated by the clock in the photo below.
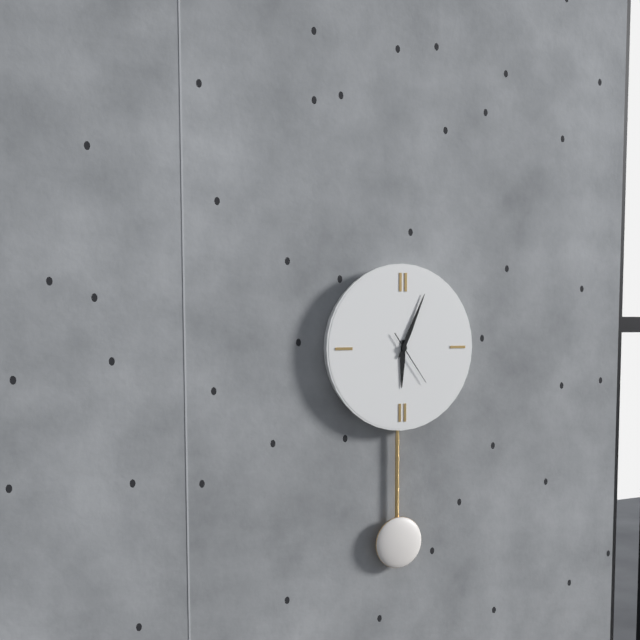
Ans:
**6:04:24**
